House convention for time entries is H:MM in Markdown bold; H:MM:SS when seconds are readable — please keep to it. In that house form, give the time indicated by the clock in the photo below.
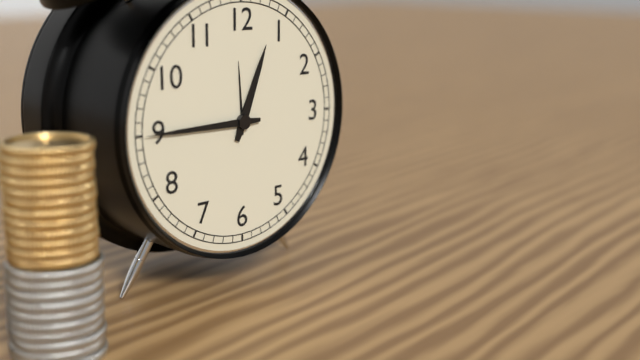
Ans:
**12:45**
